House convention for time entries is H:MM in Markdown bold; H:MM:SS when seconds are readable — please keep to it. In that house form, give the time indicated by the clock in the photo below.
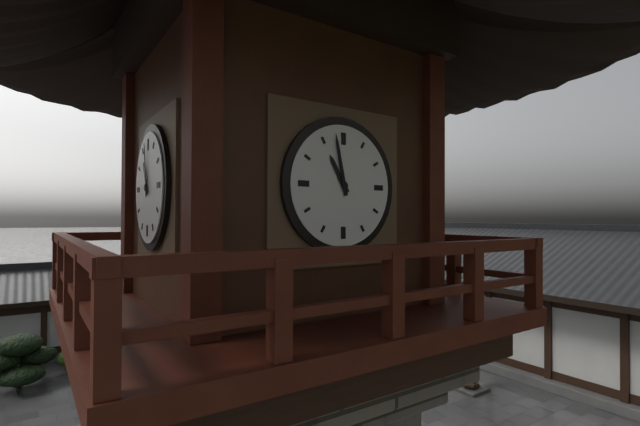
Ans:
**10:58**
